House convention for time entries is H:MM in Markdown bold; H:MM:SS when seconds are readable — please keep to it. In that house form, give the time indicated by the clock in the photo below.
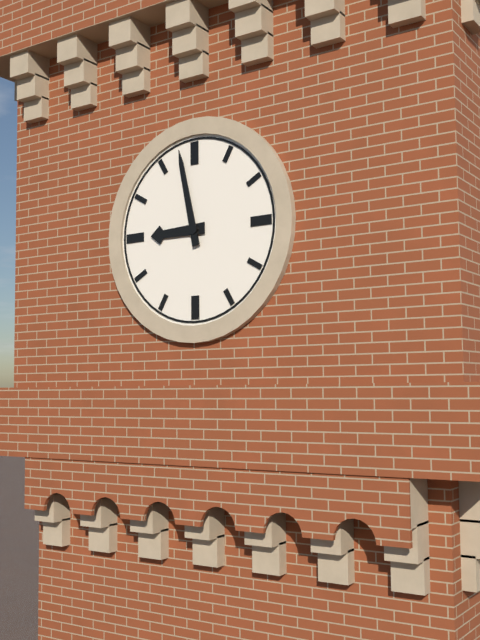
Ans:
**8:58**
